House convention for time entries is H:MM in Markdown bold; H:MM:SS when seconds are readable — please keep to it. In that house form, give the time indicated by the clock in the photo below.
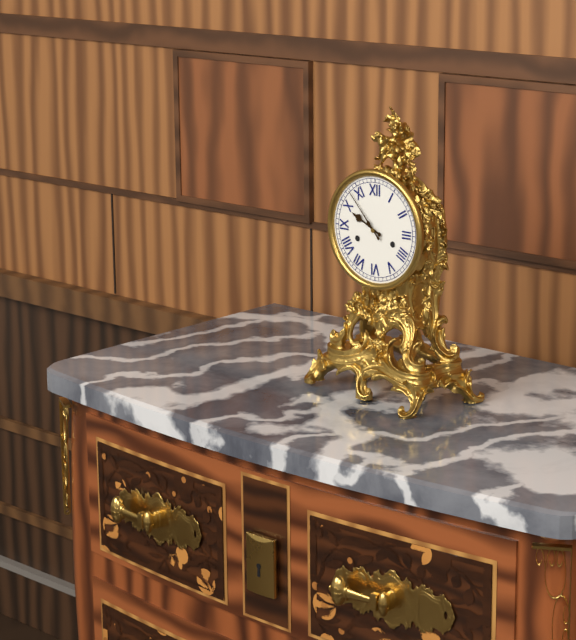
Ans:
**9:53**
